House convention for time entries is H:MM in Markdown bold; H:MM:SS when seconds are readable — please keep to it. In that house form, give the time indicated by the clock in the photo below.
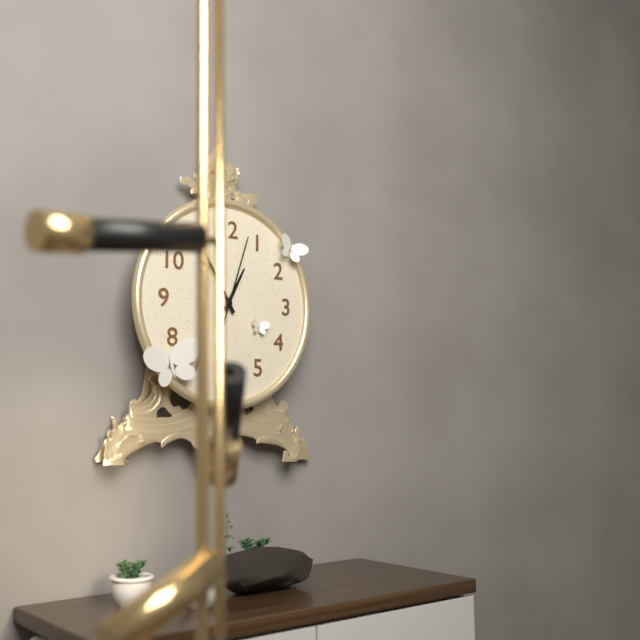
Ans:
**12:55:03**
